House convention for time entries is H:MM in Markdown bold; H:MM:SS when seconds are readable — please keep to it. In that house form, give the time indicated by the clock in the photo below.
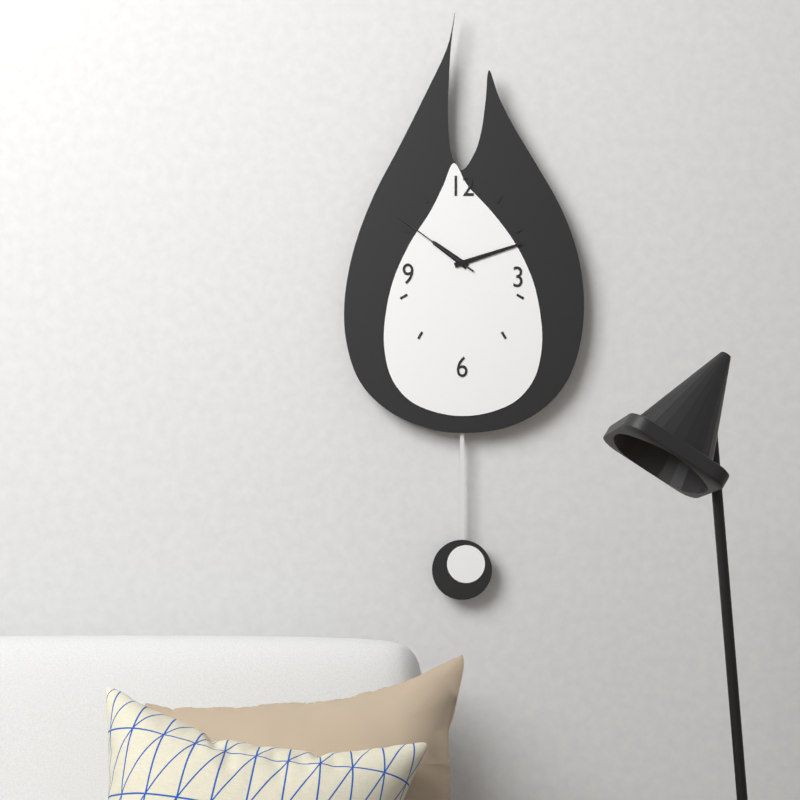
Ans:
**10:12:51**
